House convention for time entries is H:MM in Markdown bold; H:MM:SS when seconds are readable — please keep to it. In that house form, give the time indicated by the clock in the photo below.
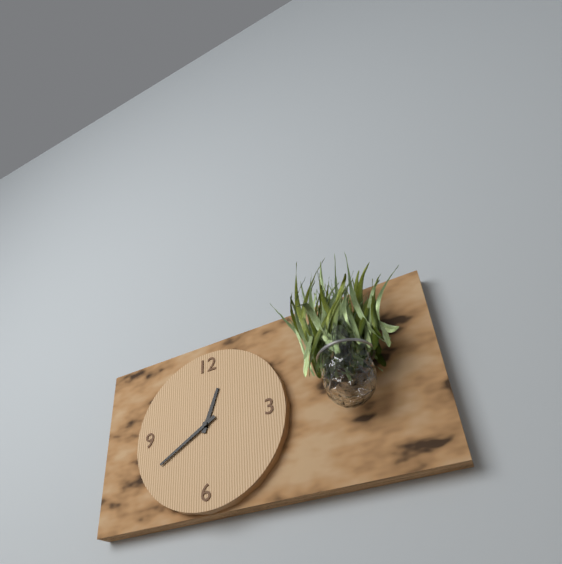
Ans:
**12:40**
